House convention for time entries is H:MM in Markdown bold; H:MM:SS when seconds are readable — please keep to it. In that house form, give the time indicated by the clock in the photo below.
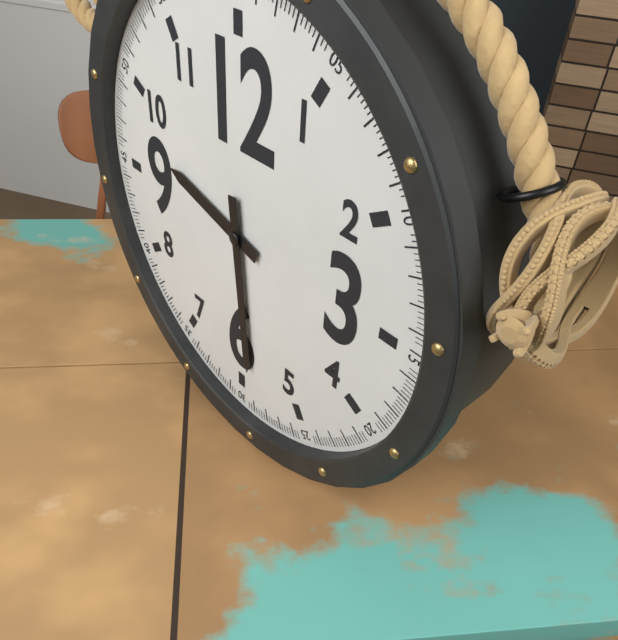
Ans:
**9:29**
